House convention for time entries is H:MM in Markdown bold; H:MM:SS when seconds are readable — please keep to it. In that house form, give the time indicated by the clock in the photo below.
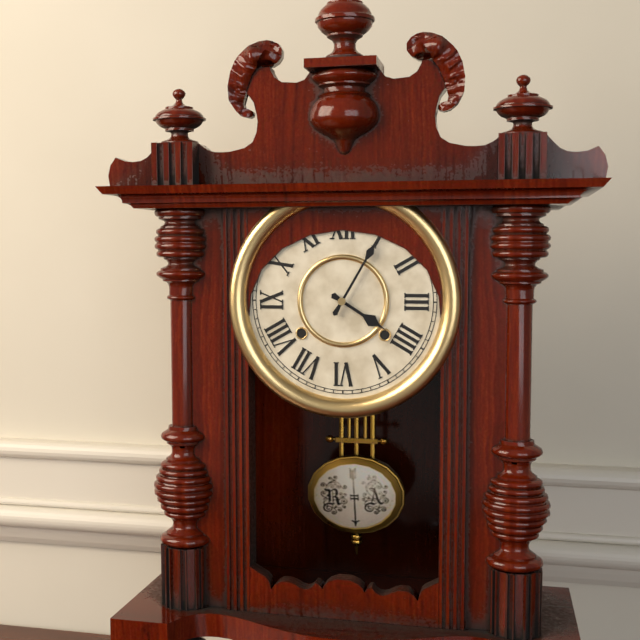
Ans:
**4:05**
